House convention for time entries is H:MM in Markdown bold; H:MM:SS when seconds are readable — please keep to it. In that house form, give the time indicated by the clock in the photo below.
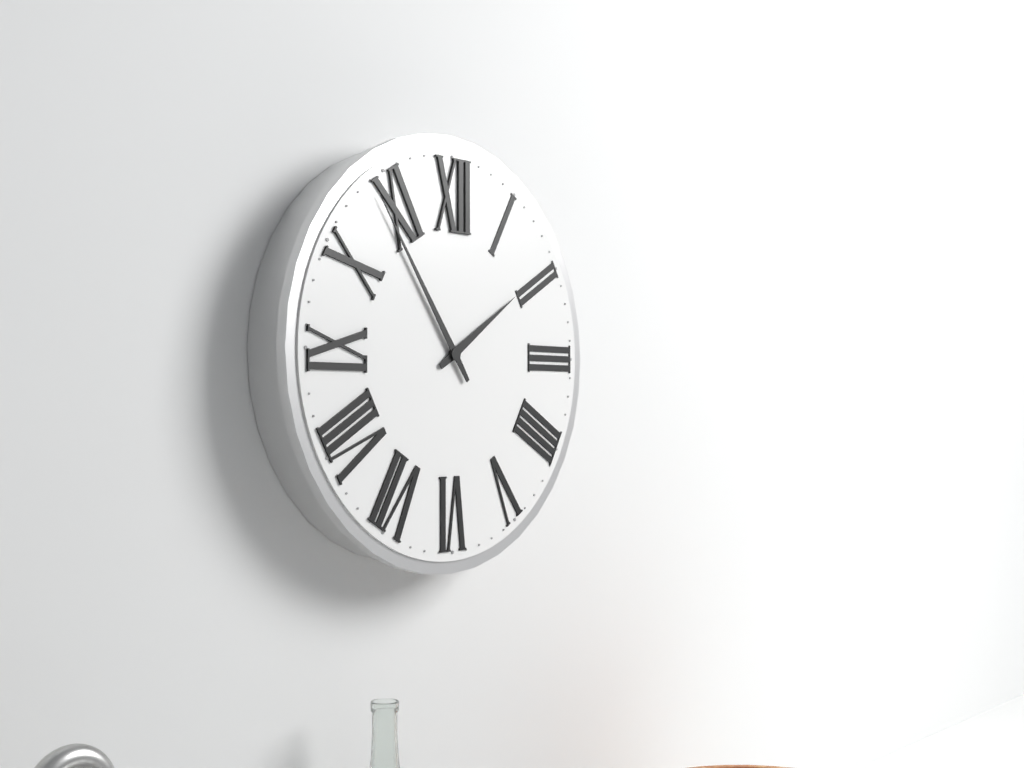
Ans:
**1:54**
